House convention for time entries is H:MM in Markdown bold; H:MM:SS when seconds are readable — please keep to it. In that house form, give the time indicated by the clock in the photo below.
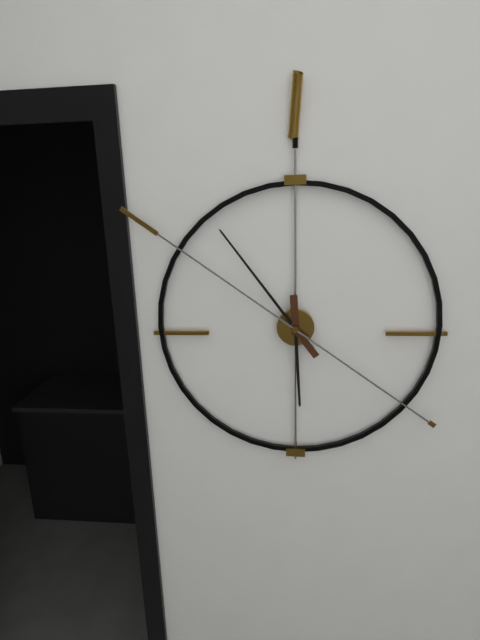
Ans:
**5:54:51**
